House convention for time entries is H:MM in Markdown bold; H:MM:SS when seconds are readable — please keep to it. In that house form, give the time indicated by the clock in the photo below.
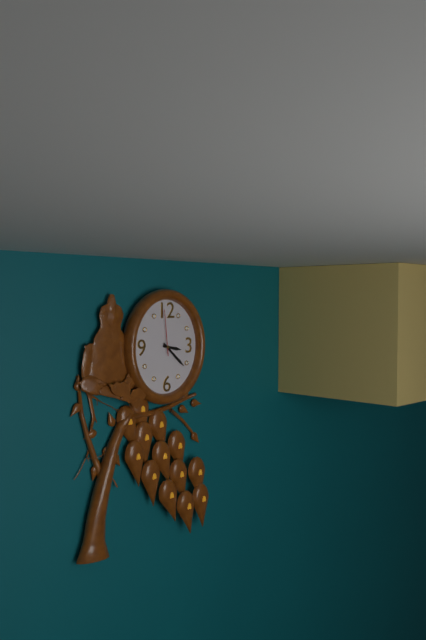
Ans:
**3:22**
